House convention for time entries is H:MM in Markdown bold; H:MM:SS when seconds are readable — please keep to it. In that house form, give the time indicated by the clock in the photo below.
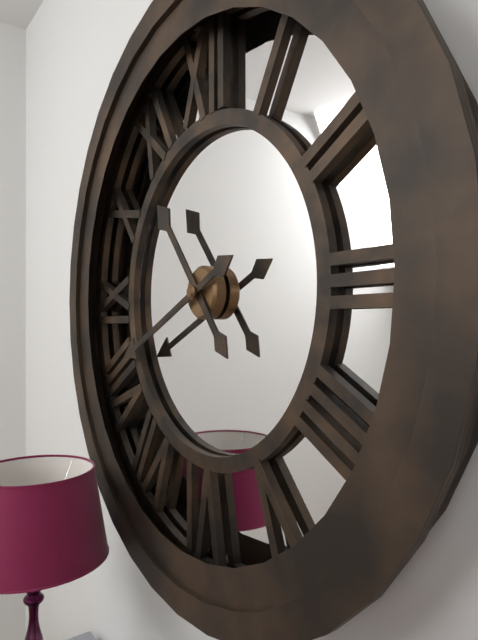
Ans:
**10:41**
